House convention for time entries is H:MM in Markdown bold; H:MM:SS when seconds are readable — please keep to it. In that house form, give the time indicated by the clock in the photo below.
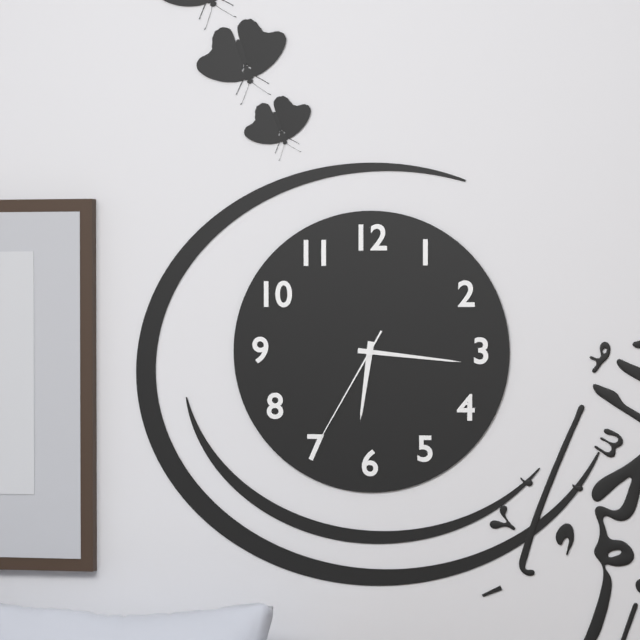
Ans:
**6:16:35**
